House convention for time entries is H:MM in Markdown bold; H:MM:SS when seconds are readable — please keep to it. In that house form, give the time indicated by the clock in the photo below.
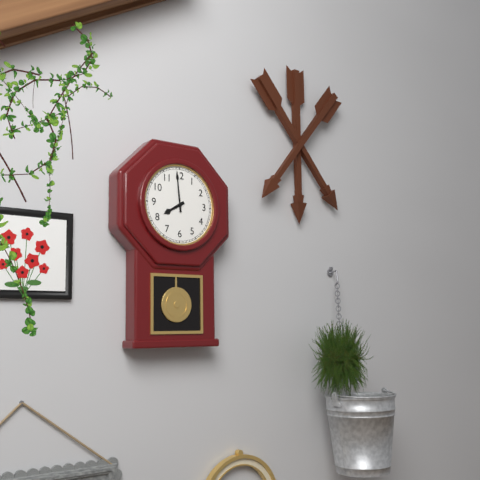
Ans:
**7:59**
